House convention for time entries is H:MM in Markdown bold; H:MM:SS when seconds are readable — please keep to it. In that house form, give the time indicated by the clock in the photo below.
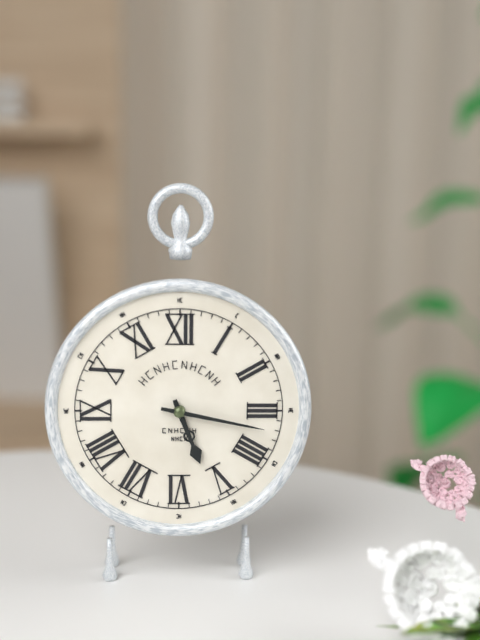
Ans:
**5:17**
